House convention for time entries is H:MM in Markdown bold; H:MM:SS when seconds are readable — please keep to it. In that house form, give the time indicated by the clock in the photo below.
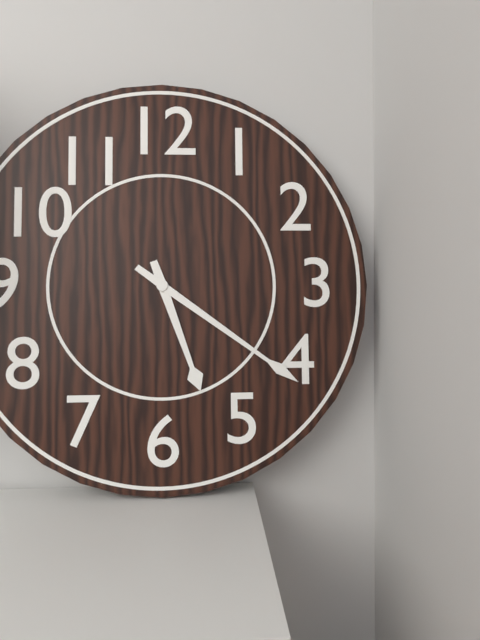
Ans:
**5:21**
